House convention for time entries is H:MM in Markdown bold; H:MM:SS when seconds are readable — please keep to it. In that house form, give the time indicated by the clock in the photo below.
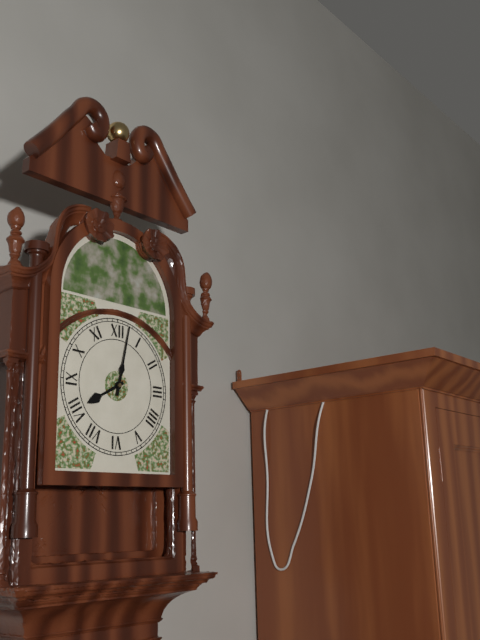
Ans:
**8:02**
